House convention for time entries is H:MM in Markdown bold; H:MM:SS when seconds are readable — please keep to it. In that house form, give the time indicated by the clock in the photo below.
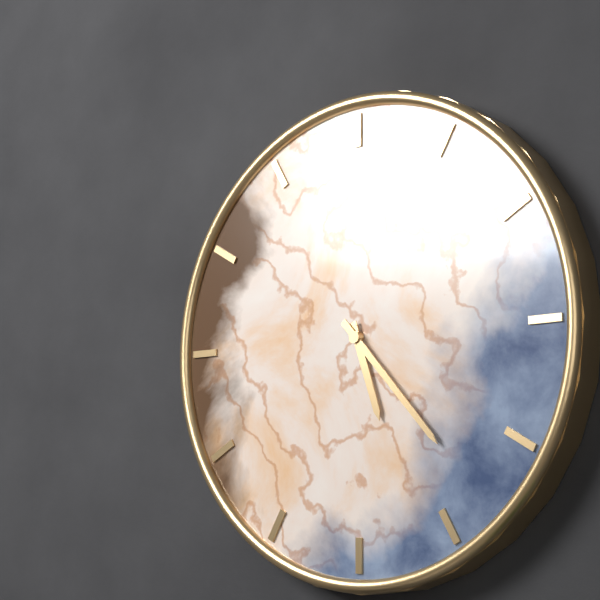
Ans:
**5:23**
